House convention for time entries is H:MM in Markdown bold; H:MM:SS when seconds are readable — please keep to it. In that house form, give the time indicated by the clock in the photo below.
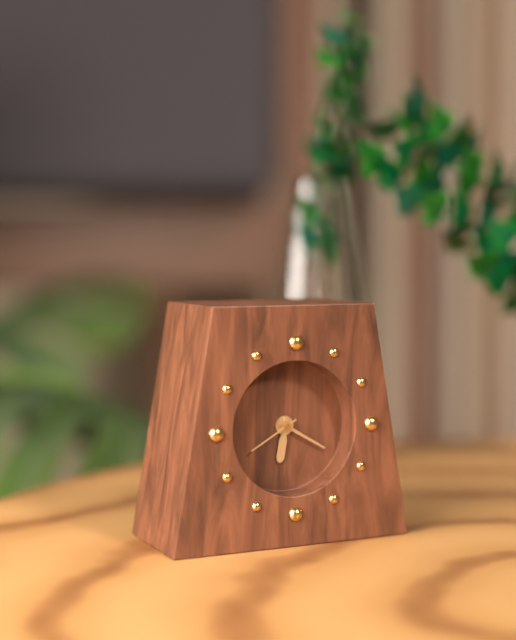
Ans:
**6:20:40**
